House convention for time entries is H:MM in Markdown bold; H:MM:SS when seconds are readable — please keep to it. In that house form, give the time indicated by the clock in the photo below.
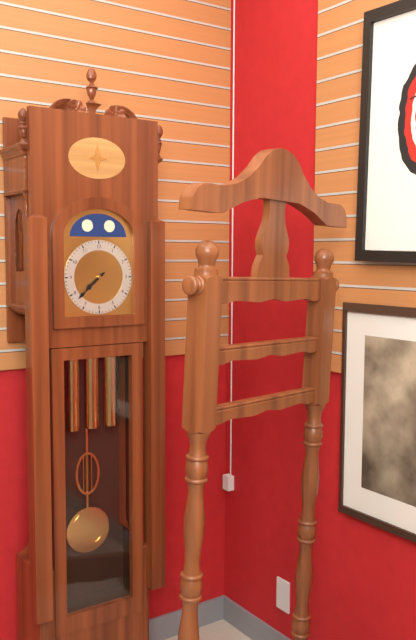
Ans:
**7:38**
